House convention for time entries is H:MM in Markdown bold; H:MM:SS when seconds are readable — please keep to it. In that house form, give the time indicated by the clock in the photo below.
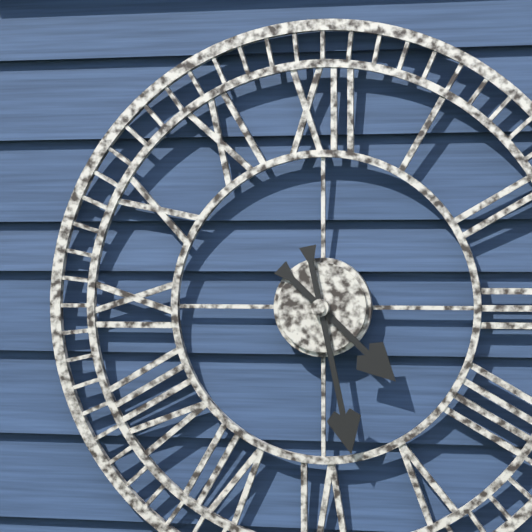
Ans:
**4:28**
